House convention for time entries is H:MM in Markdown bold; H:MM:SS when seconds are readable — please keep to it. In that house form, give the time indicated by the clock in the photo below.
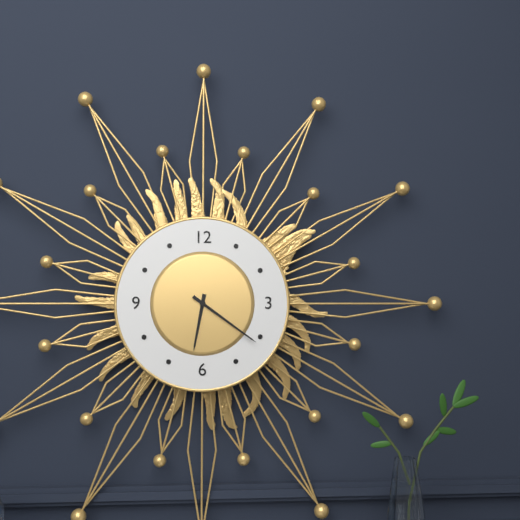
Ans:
**6:21**
